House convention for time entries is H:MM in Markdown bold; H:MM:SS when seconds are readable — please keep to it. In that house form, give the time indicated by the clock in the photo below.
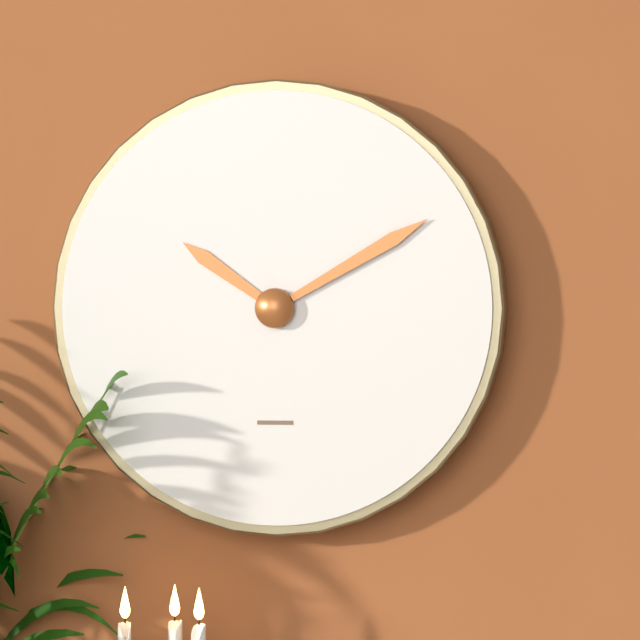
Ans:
**10:10**
